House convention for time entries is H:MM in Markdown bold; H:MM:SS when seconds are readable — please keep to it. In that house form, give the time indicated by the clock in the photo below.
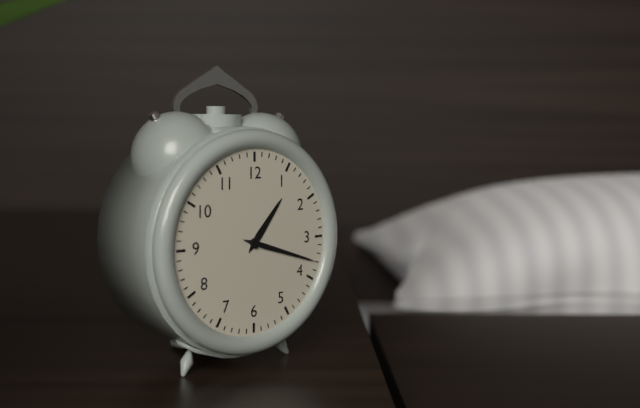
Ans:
**1:18**
